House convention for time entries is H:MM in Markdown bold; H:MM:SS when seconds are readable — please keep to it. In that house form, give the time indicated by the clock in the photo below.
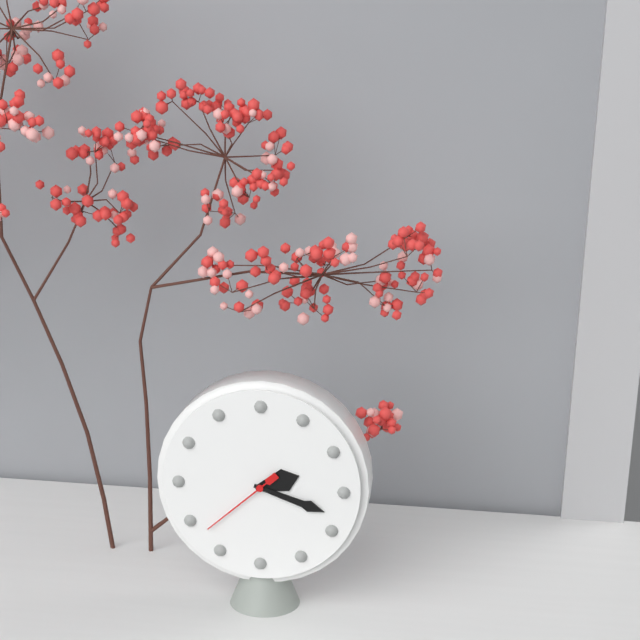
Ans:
**2:18:38**
